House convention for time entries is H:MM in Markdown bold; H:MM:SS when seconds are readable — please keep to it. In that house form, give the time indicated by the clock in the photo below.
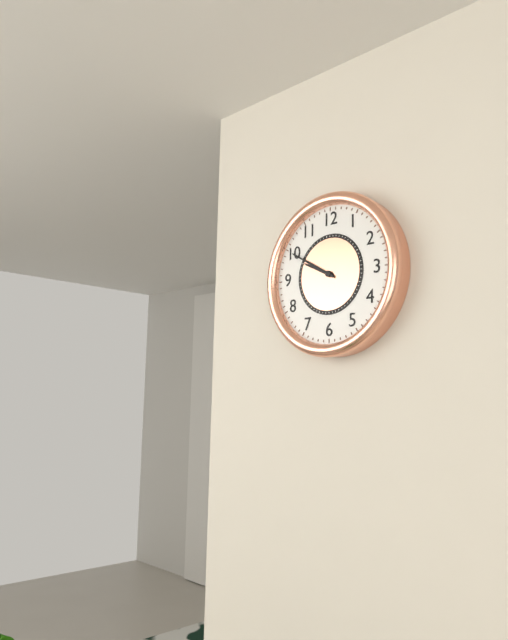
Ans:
**9:50**
